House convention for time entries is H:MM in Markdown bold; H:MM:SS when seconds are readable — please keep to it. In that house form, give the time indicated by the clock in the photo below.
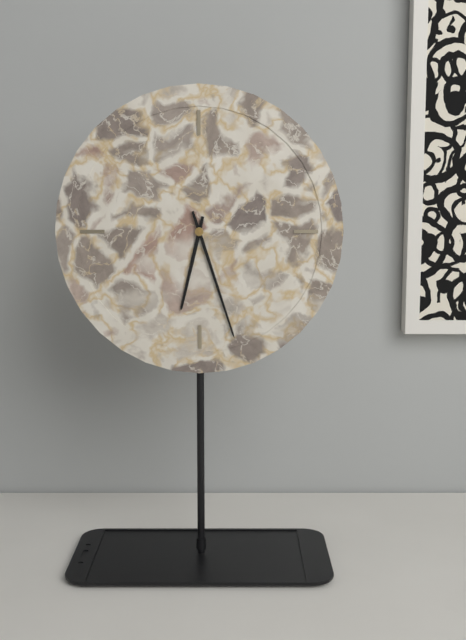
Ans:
**6:27**
